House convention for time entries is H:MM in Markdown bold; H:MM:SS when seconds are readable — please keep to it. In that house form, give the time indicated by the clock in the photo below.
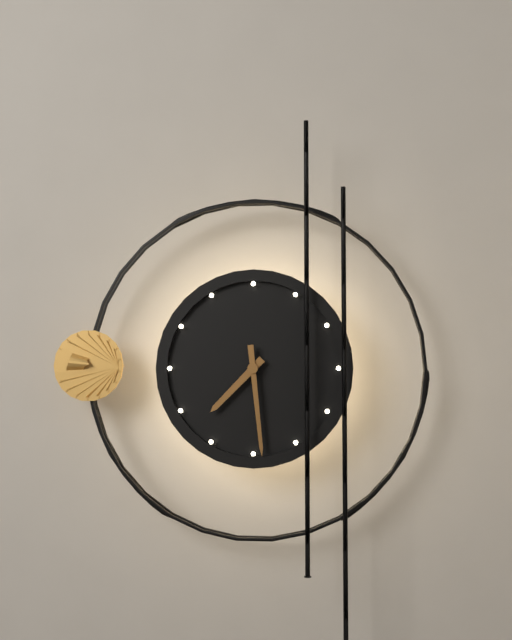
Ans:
**7:29**
